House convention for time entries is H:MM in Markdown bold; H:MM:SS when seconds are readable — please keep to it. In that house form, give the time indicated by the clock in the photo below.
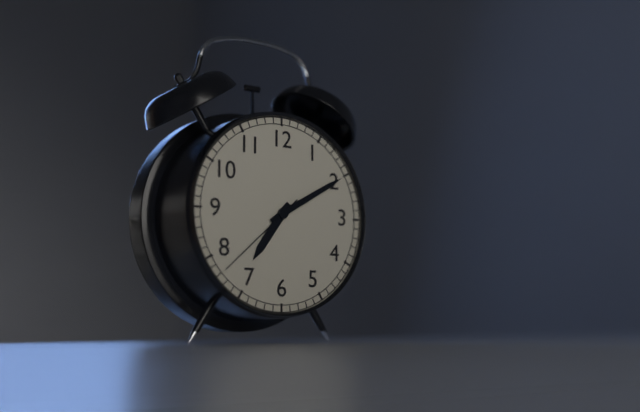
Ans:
**7:10:38**
